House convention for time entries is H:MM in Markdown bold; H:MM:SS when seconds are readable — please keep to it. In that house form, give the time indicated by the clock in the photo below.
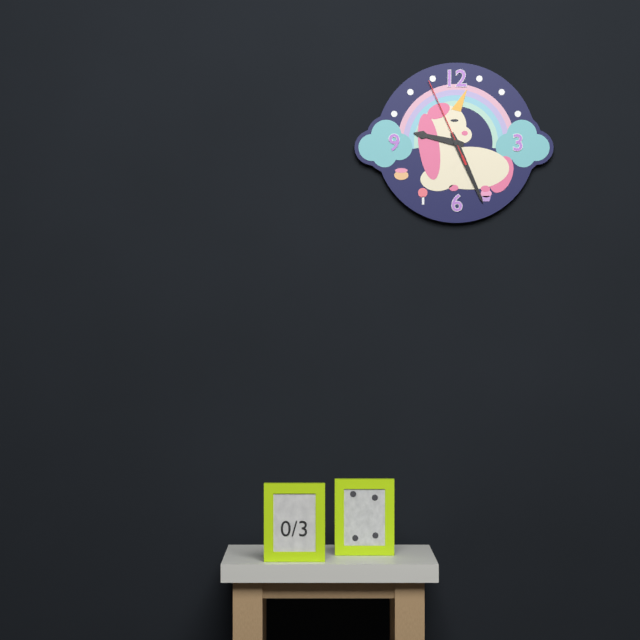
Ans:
**9:26:56**
